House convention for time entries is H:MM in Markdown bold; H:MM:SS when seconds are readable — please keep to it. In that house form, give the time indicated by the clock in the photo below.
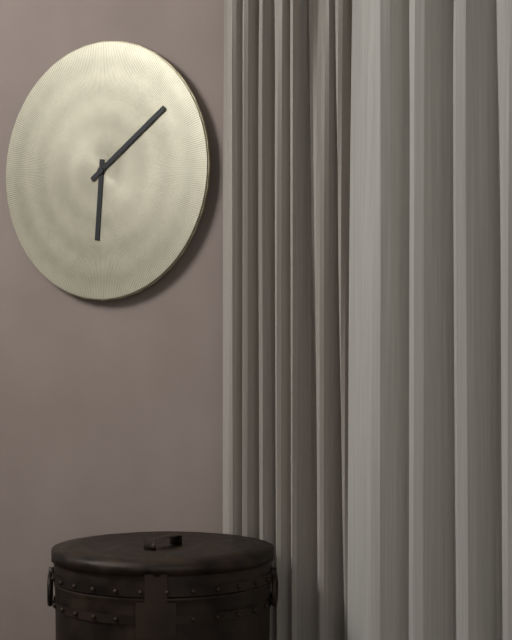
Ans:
**6:09**
